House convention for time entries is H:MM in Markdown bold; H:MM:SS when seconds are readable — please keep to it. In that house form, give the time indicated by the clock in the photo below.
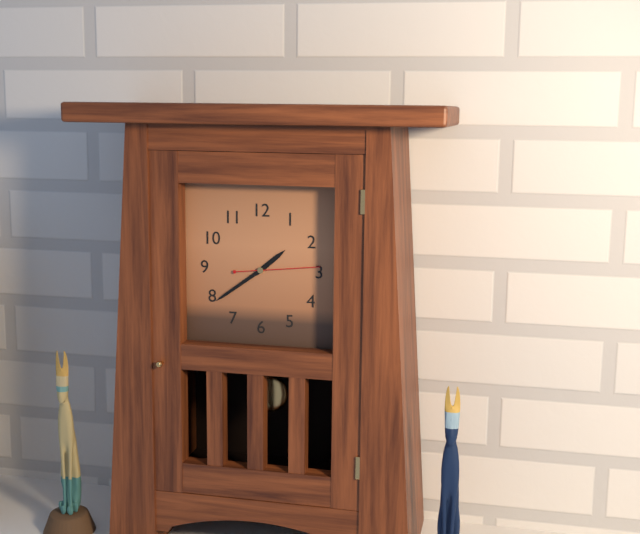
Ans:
**1:39:14**
